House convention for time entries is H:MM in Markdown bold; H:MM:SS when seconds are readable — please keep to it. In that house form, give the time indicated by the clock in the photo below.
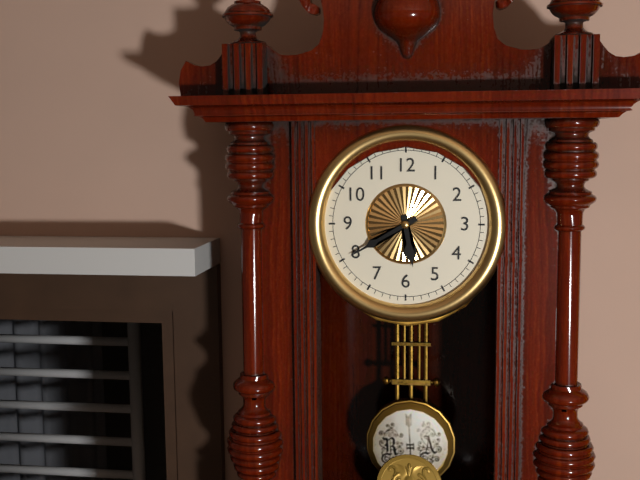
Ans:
**5:40**
